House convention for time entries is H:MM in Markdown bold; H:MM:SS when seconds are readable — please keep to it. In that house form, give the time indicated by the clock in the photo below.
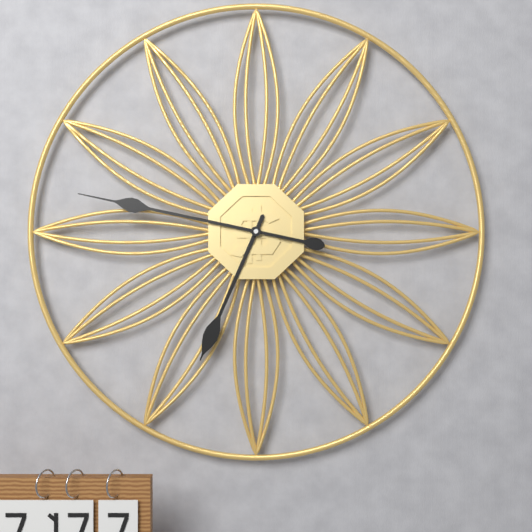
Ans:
**6:47**
